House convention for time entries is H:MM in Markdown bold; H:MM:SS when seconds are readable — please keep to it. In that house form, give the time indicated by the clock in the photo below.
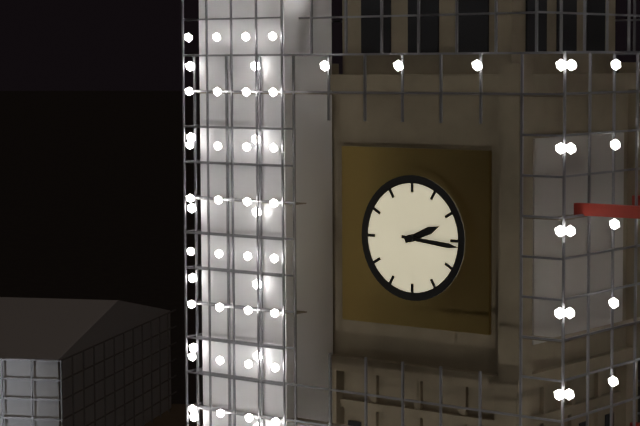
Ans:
**2:16**
